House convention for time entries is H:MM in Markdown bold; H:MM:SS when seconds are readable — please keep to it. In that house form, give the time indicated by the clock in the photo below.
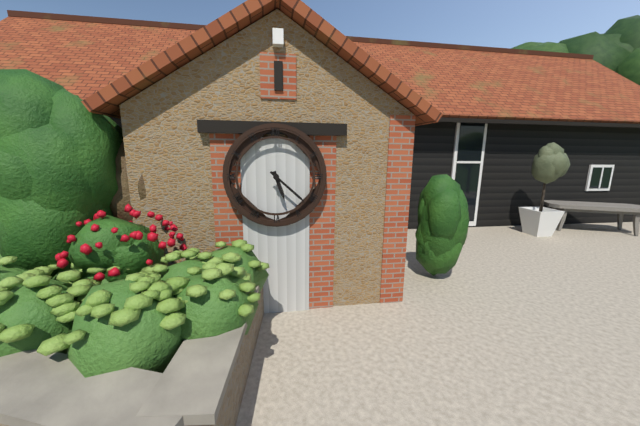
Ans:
**5:22**
